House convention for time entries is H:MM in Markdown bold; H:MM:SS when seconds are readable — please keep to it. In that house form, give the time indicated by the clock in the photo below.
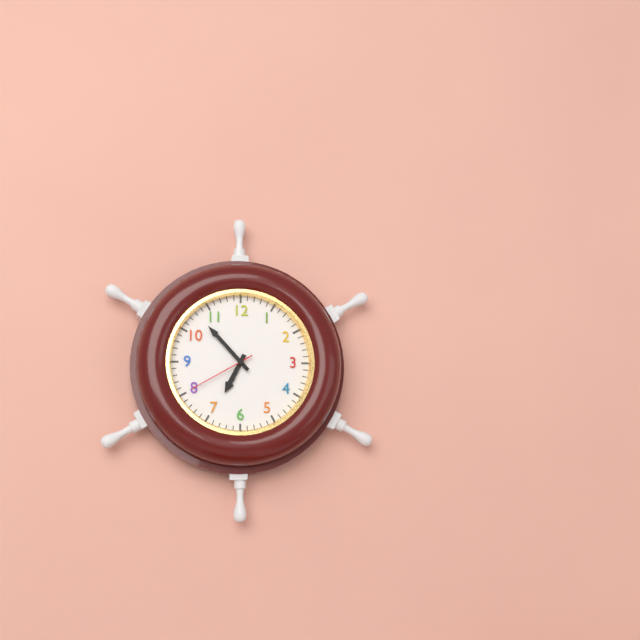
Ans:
**6:53:40**
